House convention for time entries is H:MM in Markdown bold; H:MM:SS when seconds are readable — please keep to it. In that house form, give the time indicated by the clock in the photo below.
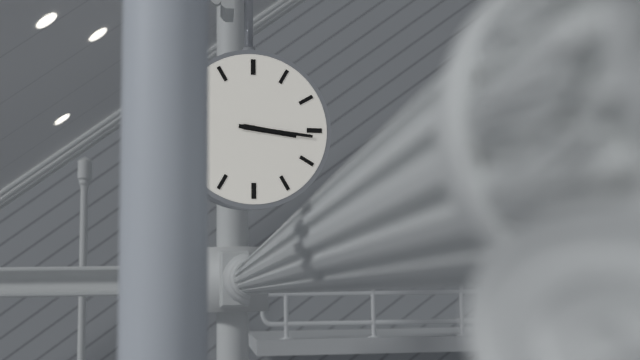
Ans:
**3:16**
